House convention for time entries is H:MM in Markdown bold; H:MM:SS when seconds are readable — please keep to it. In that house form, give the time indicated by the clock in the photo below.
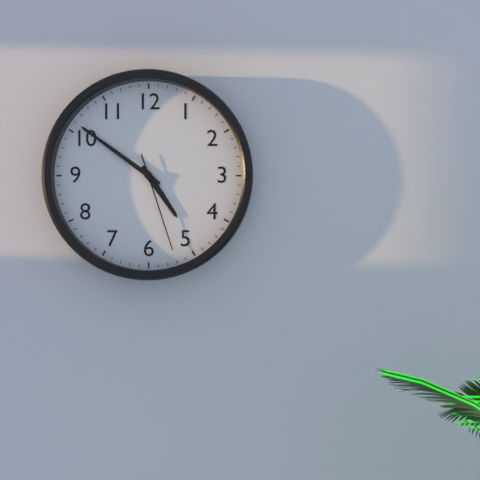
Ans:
**4:51:27**
